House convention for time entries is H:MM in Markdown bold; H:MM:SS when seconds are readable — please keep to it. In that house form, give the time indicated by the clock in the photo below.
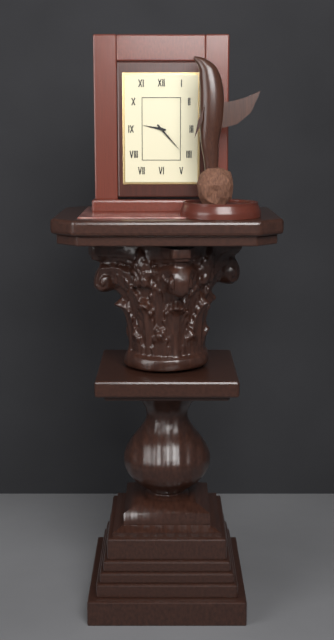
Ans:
**9:23**
